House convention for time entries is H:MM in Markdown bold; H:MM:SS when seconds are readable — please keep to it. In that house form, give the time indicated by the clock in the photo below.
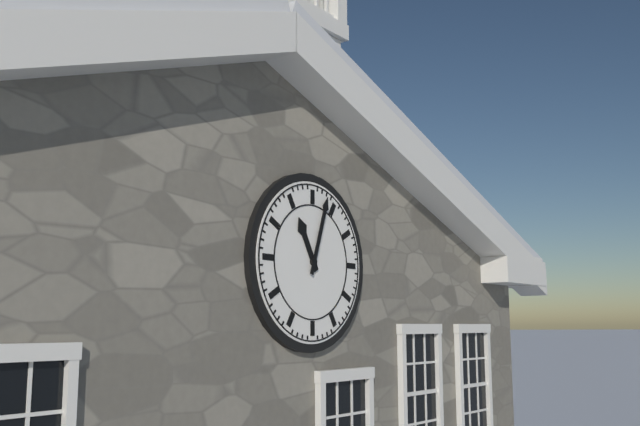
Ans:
**11:03**
